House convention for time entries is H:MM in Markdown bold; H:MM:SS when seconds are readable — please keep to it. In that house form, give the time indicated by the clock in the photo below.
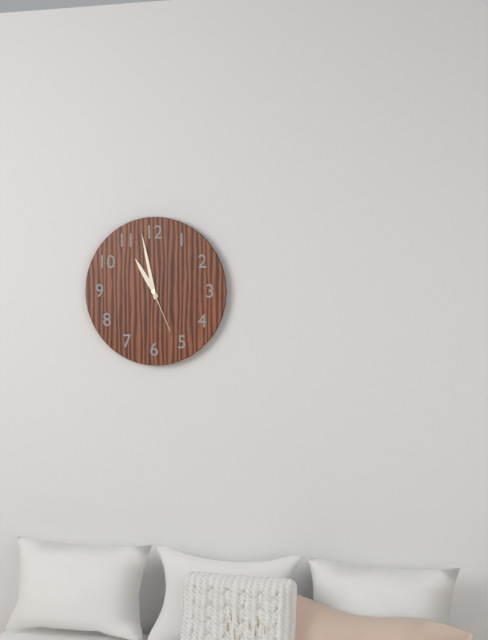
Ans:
**10:58:26**
